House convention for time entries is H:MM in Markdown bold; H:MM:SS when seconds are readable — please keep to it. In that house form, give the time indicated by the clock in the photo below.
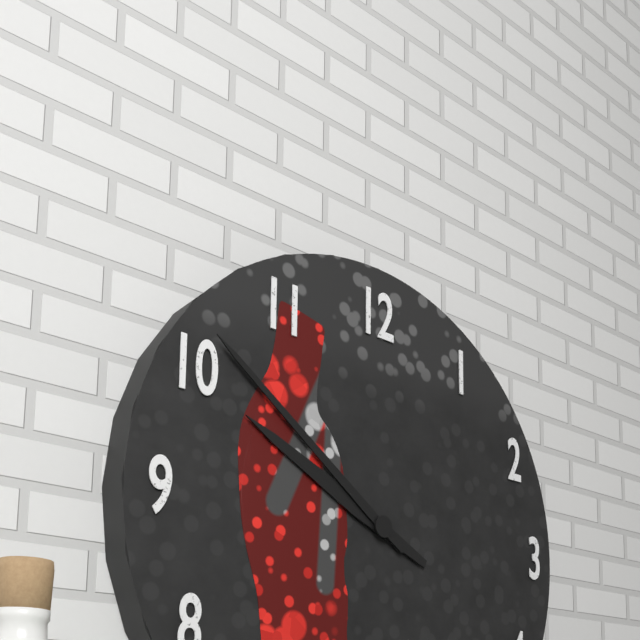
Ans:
**9:51**
